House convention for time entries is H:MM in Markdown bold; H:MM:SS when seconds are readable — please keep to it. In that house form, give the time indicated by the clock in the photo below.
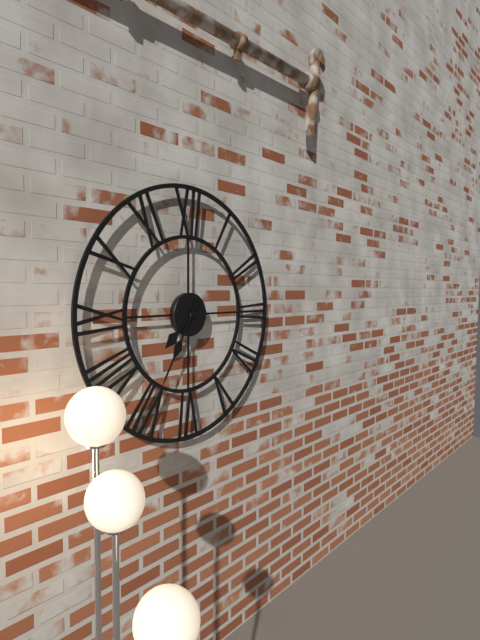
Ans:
**7:35**
